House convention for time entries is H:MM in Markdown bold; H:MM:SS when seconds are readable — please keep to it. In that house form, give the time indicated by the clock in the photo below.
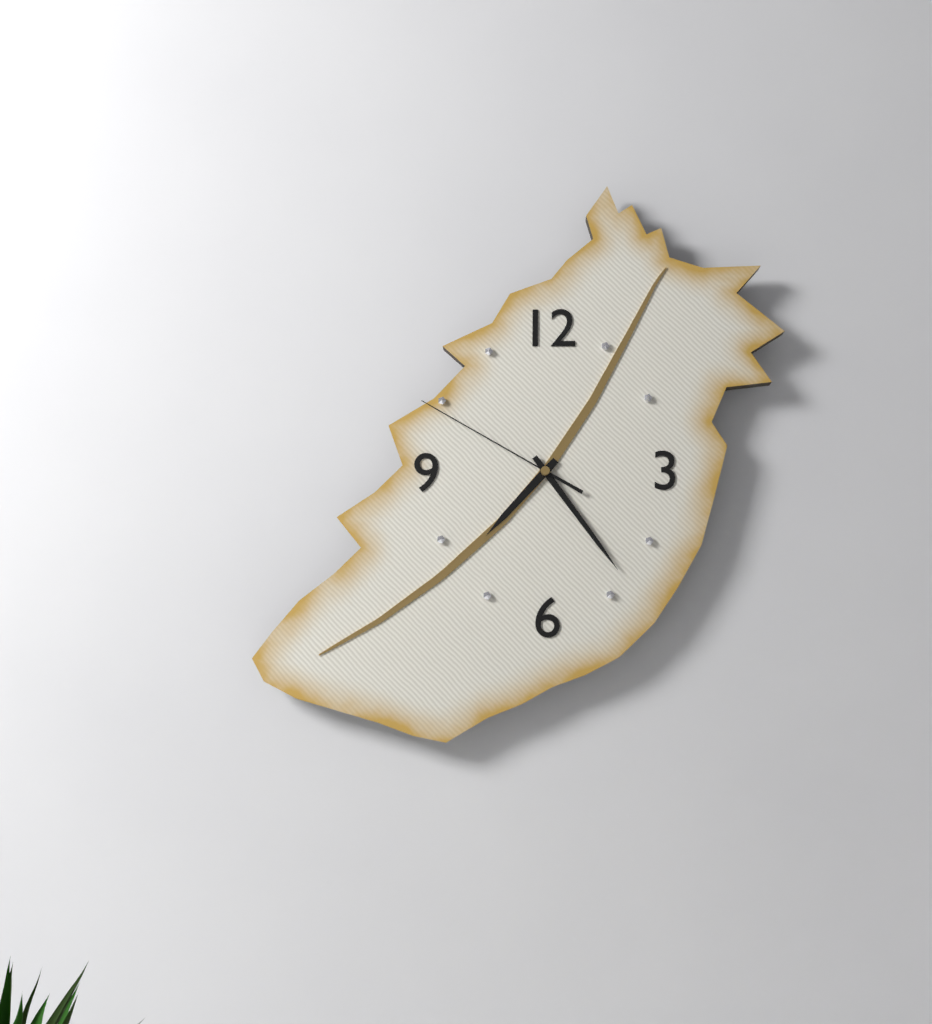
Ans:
**7:24:50**
